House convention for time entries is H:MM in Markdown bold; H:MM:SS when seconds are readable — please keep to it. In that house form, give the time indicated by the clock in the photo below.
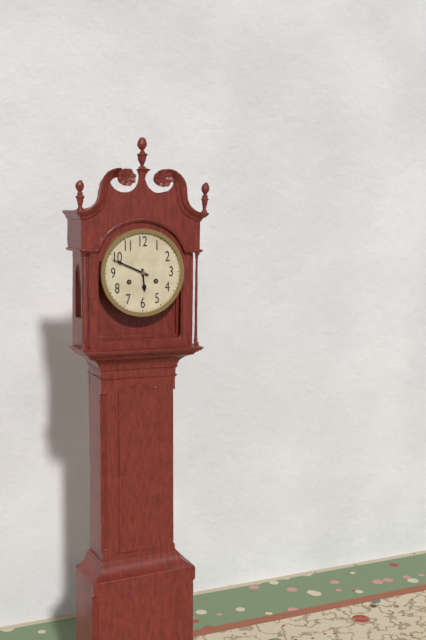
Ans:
**5:49**
